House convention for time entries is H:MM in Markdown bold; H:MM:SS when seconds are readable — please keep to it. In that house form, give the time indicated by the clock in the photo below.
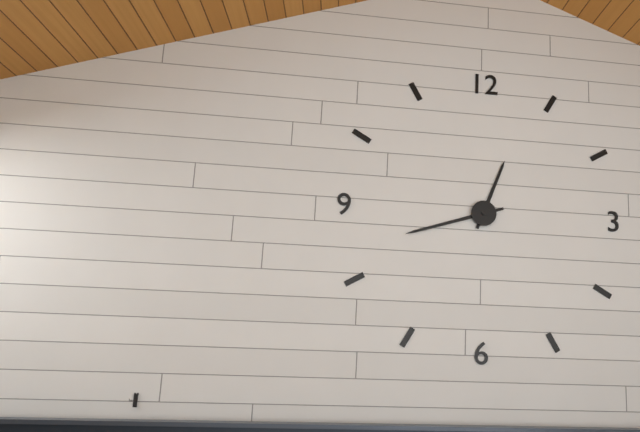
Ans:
**12:42**
